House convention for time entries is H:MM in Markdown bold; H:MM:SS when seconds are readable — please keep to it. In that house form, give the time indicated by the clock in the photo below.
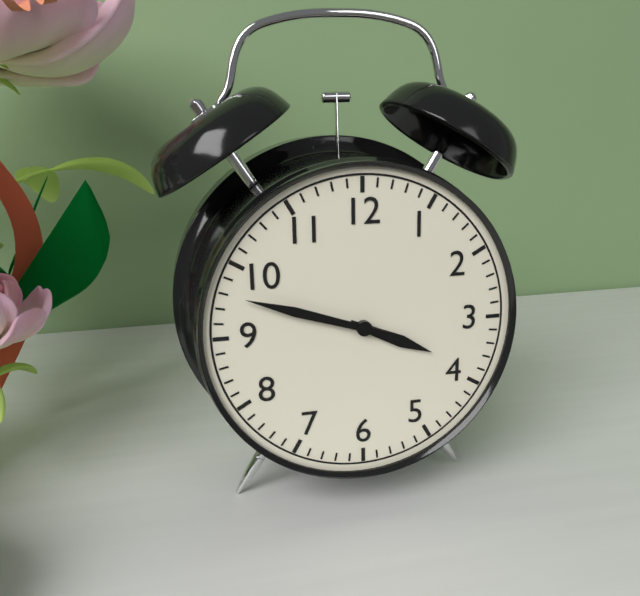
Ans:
**3:48**
